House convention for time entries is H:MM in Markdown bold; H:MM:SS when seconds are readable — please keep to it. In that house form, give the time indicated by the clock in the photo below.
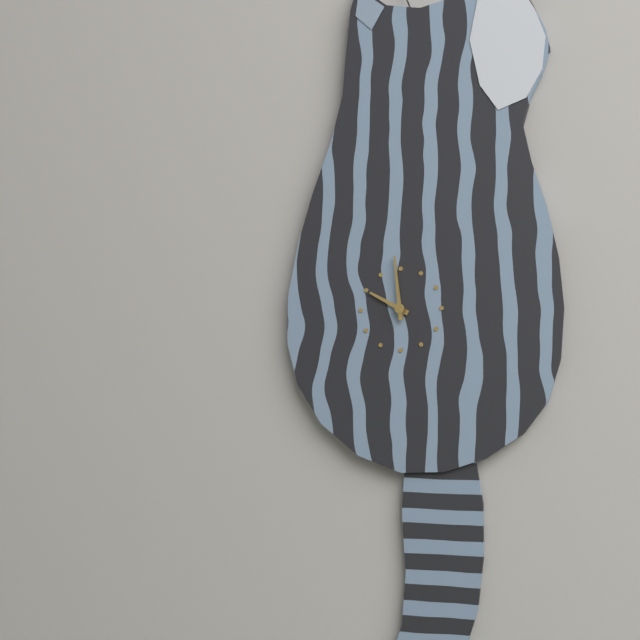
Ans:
**9:59**
